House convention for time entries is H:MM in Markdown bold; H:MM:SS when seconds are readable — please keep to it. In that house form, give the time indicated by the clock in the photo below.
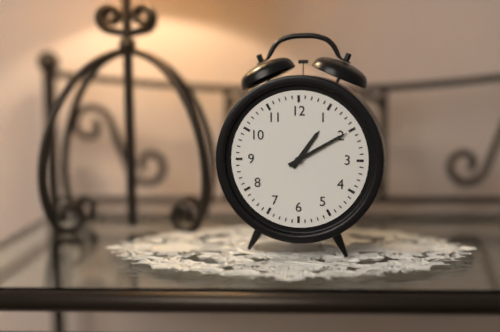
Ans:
**1:10**
